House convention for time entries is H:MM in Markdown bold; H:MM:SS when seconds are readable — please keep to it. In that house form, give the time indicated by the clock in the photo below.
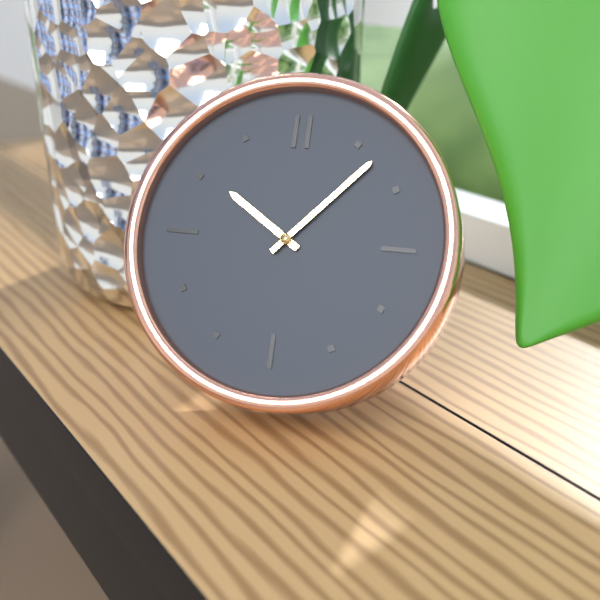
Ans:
**10:07**
